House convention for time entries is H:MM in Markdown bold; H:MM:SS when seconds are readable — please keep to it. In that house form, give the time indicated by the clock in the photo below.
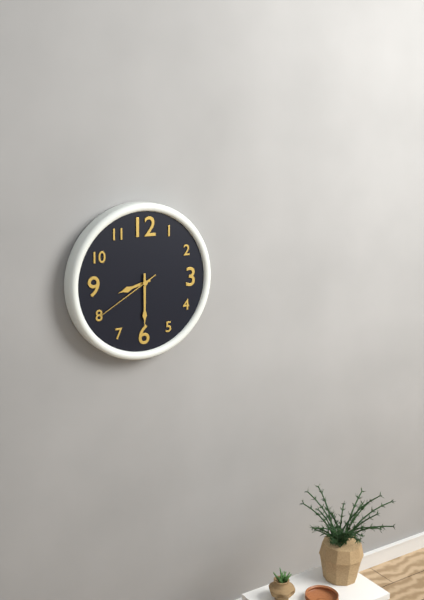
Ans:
**8:30:40**
